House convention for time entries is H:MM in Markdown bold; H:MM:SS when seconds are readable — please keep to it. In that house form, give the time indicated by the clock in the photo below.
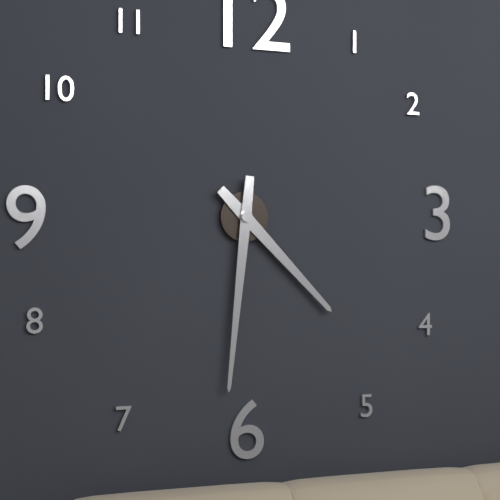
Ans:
**4:31**
